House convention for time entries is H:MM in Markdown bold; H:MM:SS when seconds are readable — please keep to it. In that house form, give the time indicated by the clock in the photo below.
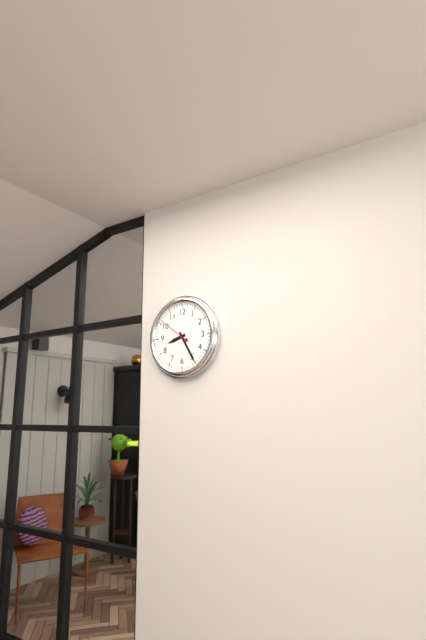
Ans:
**8:25**
